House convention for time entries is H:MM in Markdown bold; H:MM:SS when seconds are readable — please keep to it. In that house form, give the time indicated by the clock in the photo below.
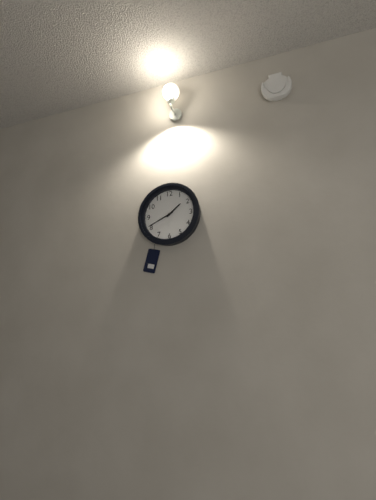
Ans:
**1:41**
